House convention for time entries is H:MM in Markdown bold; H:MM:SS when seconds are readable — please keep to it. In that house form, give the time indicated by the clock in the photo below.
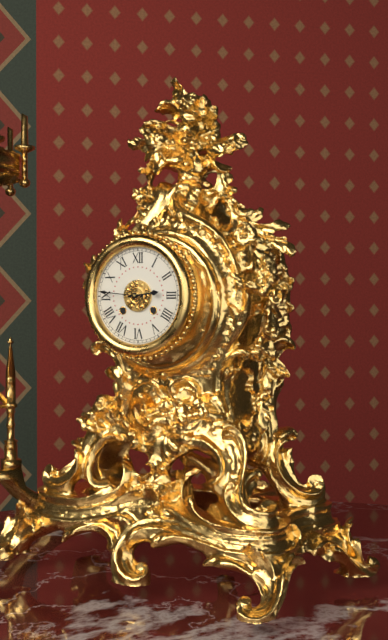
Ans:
**2:46**
